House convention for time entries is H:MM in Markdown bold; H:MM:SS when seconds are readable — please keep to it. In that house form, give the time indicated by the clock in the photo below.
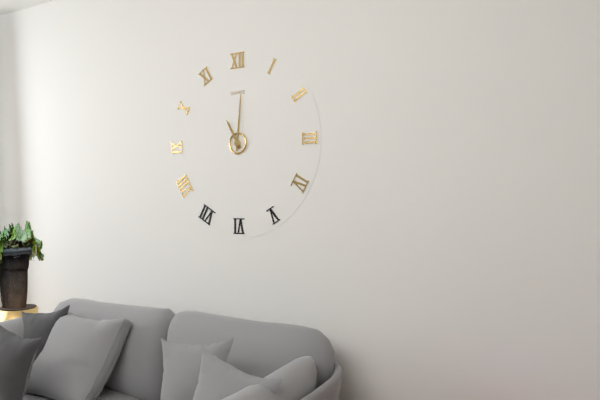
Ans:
**11:01**
